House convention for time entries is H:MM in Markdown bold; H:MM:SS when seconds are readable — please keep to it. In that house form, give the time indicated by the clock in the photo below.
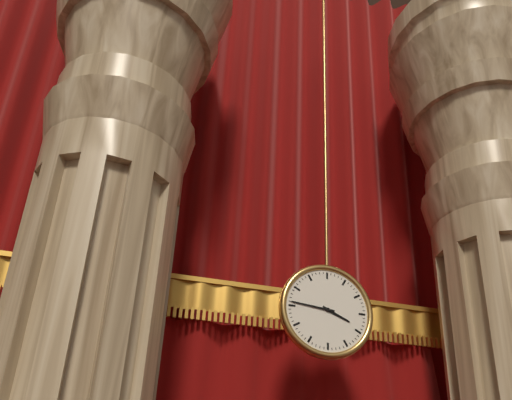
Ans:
**3:46**
